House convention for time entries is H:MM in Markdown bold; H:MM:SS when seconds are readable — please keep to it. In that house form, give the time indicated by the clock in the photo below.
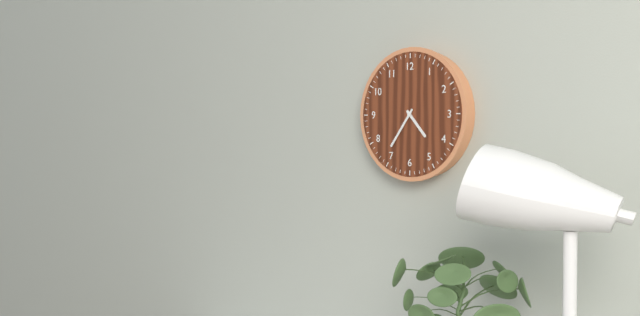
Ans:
**4:36**
